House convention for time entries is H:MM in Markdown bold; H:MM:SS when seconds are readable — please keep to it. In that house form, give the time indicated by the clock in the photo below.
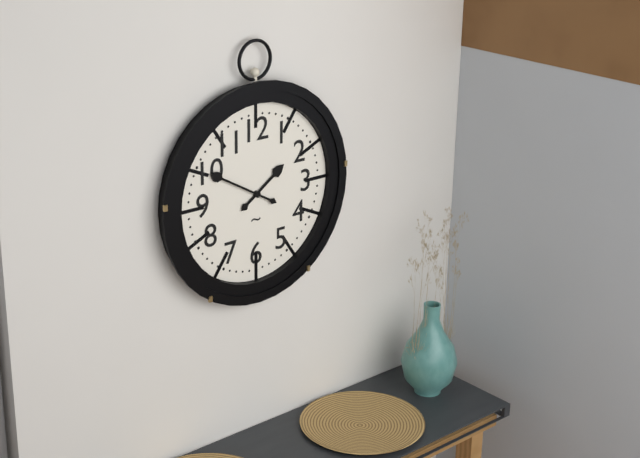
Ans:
**1:50**
